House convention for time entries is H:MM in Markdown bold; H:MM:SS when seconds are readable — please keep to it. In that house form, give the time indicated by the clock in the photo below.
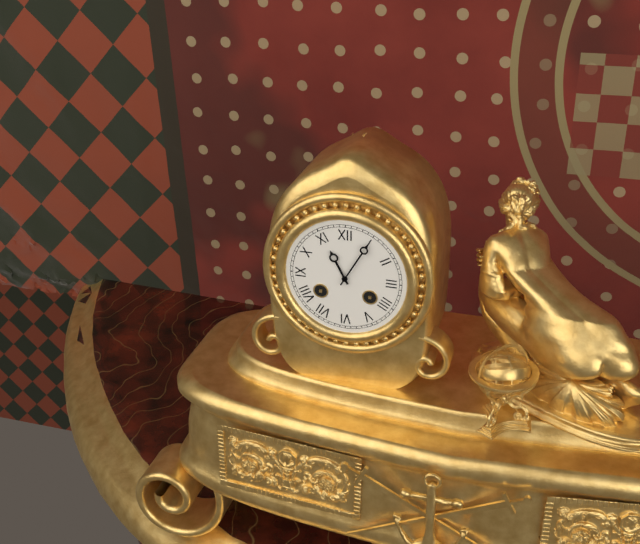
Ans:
**11:05**
